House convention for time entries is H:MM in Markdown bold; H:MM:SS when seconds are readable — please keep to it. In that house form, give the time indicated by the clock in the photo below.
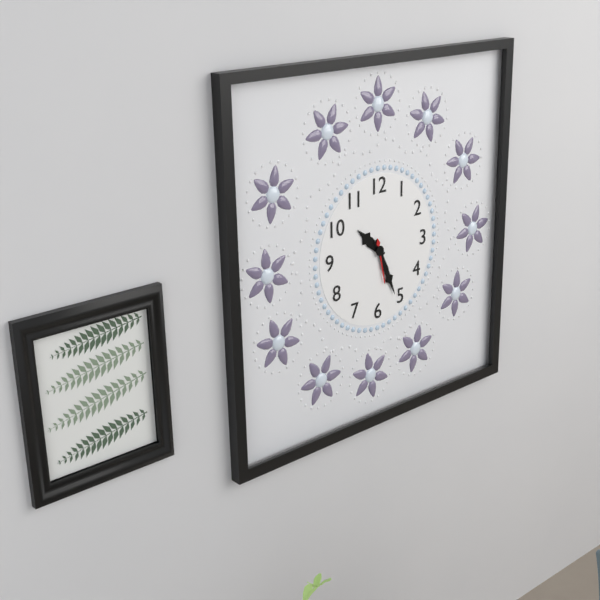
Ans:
**10:26**
